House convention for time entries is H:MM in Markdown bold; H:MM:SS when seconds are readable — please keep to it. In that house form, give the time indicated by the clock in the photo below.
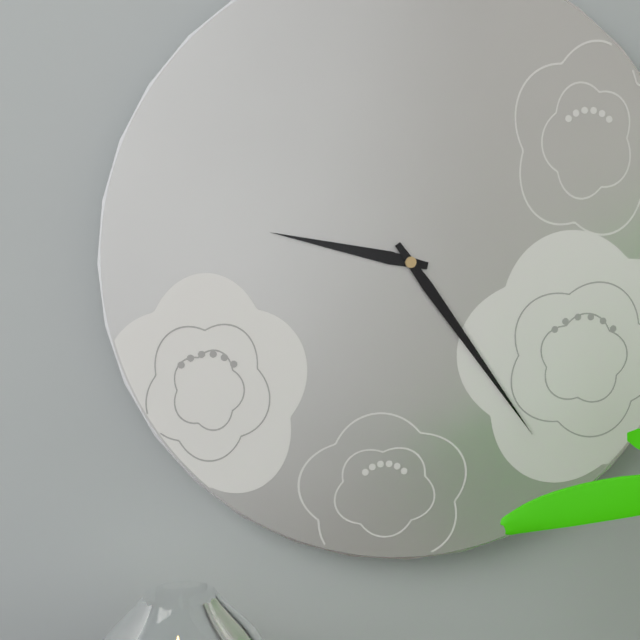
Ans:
**9:24**
